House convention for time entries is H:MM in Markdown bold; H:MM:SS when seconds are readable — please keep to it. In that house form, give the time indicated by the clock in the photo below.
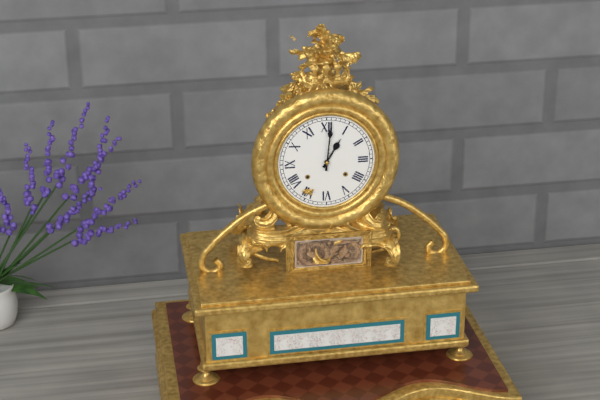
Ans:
**1:01**
